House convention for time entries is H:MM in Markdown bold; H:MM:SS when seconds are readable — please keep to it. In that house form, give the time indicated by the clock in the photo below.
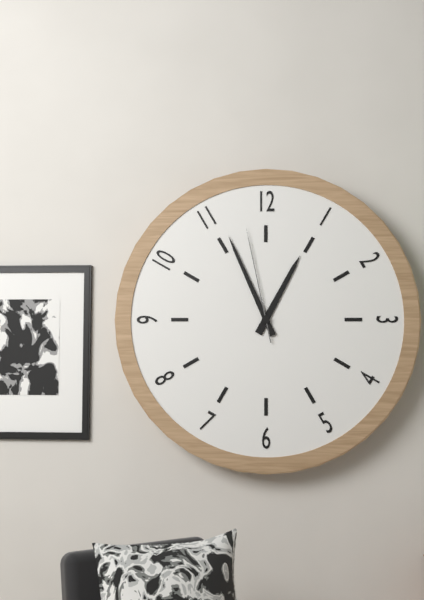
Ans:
**12:56:58**
